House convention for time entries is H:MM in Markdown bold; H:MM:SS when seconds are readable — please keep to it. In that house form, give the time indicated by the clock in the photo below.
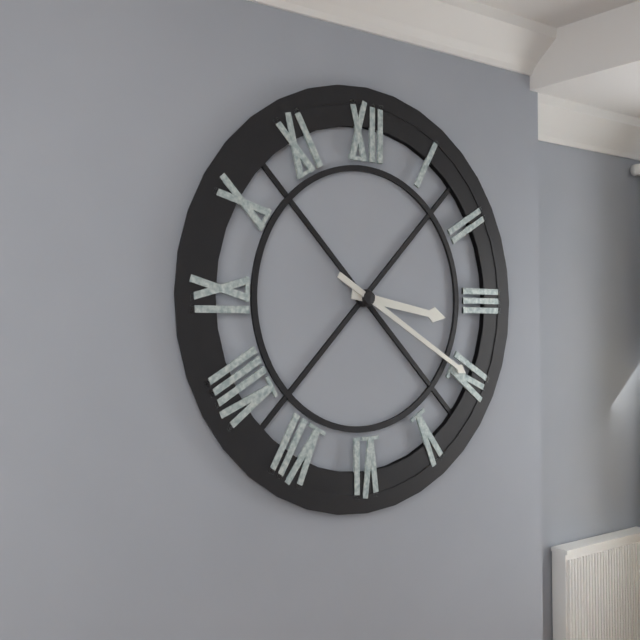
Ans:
**3:20**
